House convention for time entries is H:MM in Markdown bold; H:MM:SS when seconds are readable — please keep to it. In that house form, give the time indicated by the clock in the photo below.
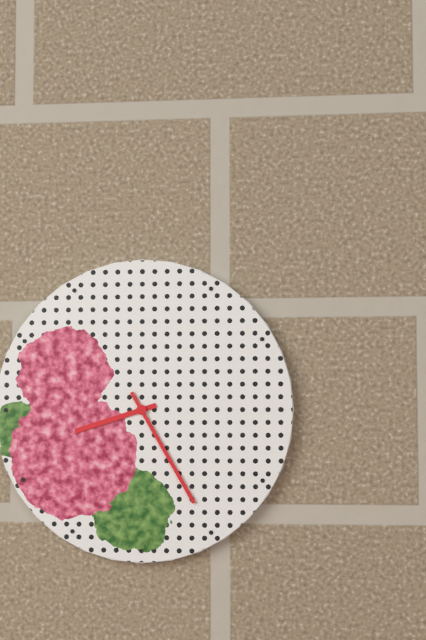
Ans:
**8:25**
